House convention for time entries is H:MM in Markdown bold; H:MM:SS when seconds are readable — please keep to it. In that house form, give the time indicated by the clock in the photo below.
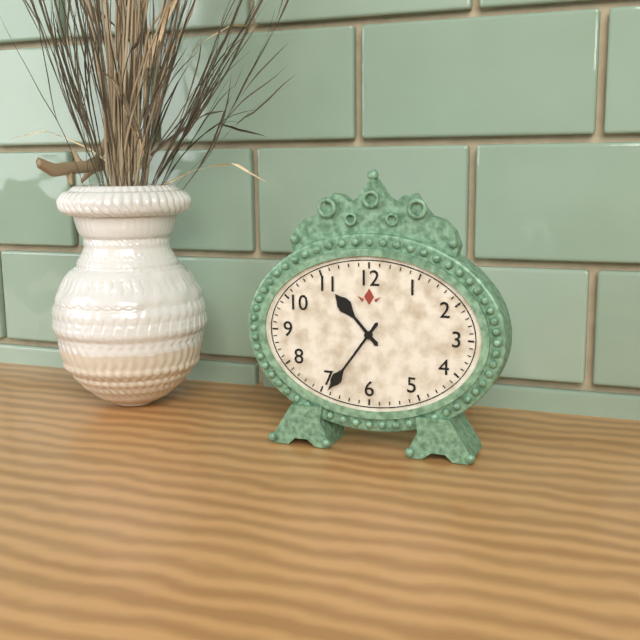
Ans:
**10:36**
